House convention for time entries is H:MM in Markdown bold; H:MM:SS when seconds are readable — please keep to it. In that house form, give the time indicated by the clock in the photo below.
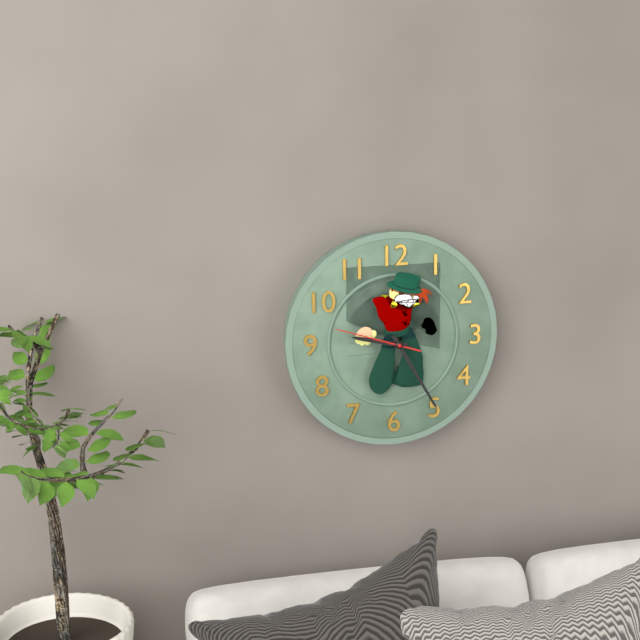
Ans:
**9:25:48**
